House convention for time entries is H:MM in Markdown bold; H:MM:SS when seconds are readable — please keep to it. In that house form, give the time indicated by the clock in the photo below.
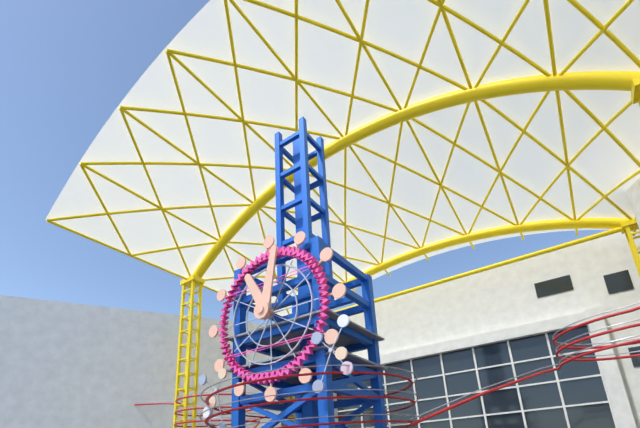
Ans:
**11:02**
